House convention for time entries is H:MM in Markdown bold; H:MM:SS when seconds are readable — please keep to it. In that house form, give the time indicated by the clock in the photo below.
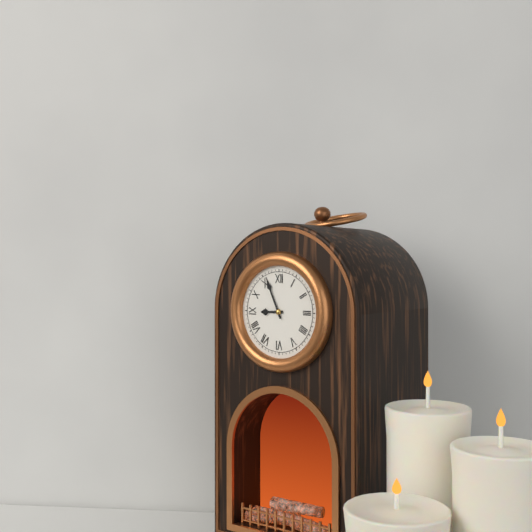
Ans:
**8:56**
